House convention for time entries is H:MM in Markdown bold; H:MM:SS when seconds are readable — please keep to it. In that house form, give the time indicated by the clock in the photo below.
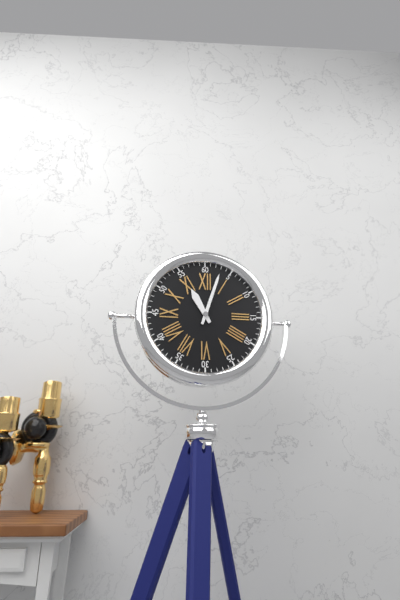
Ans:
**11:03**
